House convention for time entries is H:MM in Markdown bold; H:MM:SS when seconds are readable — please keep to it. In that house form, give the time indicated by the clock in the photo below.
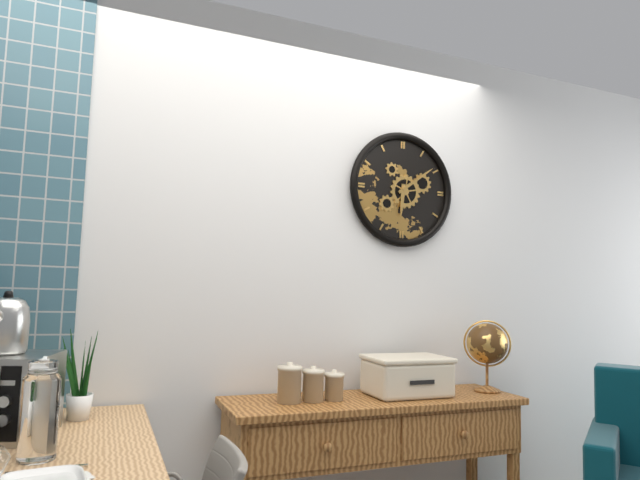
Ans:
**6:09**
